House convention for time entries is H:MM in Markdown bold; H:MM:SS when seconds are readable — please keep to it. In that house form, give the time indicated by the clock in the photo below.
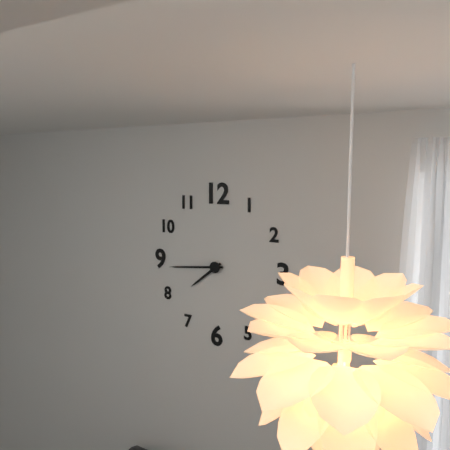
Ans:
**7:44**
